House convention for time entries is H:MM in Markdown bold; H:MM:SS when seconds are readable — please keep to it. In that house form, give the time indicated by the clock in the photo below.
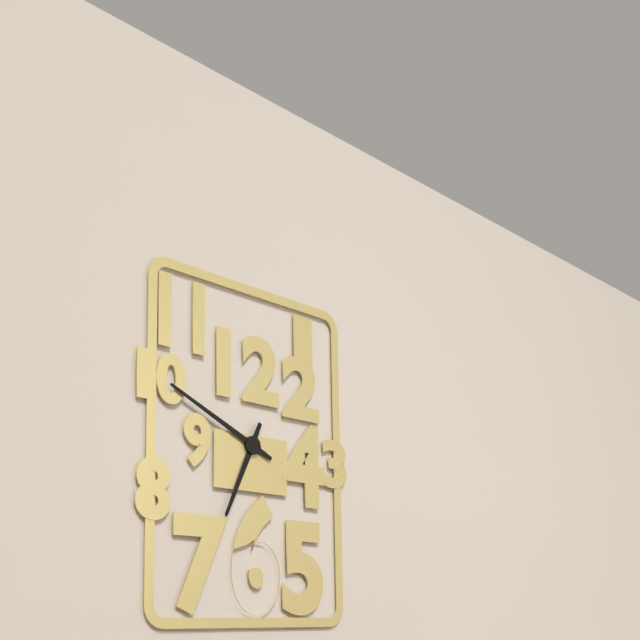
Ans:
**6:49**
